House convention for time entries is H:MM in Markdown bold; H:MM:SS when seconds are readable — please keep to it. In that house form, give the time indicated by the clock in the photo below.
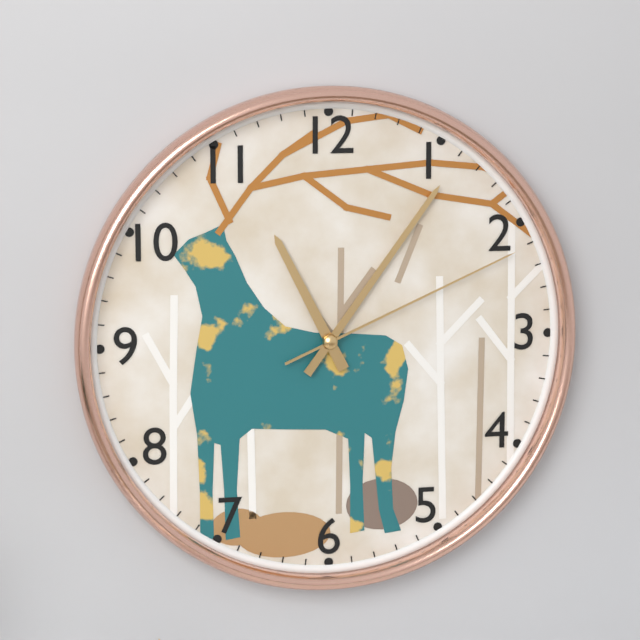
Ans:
**11:06:11**
